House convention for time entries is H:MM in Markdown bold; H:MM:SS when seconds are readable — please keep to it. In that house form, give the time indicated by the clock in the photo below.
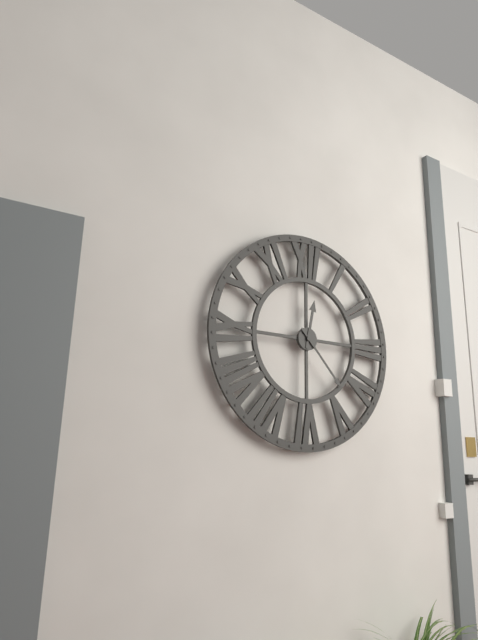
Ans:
**12:23**
